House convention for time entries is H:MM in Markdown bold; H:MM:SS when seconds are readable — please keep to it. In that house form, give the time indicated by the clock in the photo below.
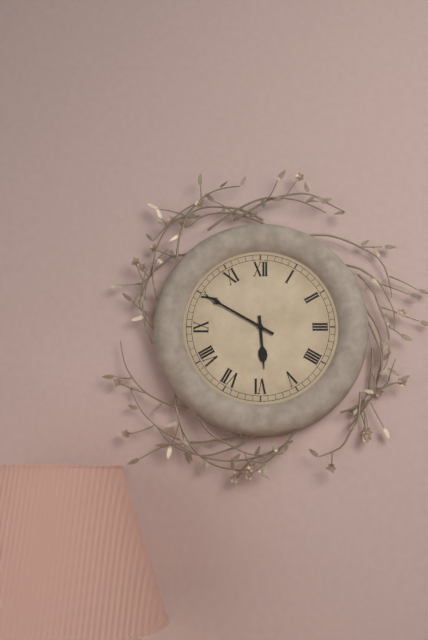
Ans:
**5:50**
